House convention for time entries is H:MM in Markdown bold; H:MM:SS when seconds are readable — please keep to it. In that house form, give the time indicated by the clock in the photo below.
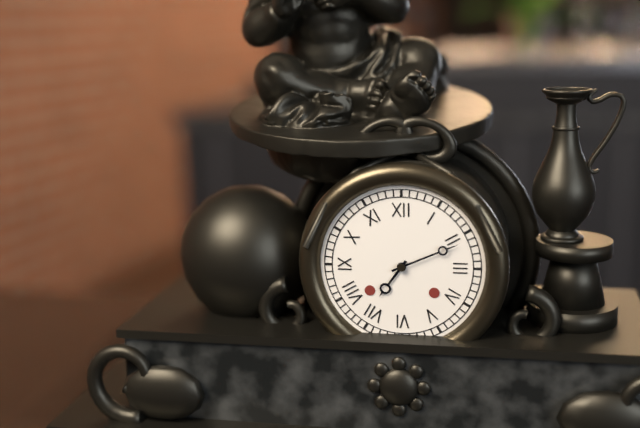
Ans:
**7:11**
